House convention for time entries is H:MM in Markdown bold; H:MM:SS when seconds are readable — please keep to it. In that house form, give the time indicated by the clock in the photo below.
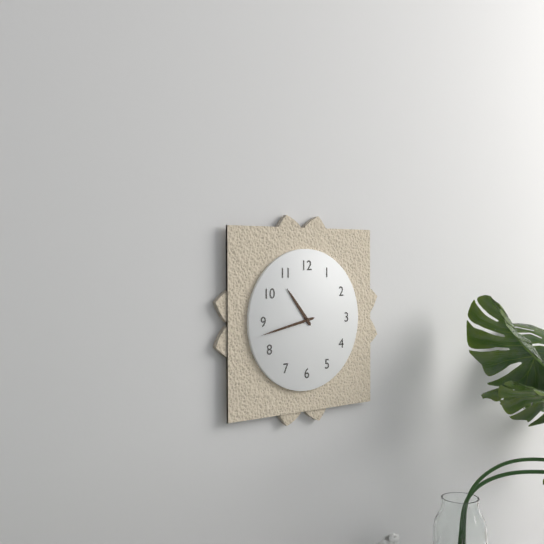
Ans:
**10:43**
